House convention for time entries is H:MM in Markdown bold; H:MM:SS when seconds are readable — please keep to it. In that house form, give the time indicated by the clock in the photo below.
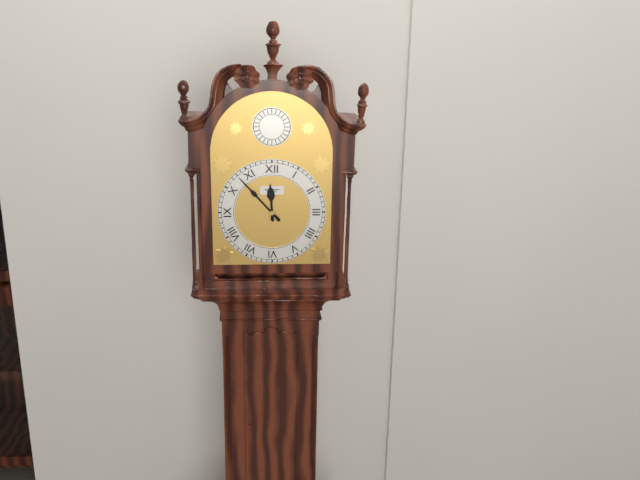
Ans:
**11:53**
